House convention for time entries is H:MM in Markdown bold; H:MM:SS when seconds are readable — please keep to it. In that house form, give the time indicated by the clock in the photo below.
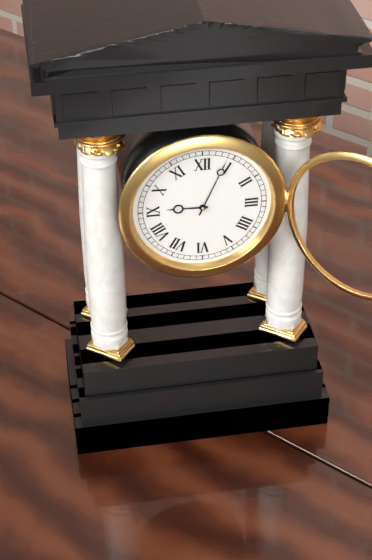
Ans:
**9:04**
